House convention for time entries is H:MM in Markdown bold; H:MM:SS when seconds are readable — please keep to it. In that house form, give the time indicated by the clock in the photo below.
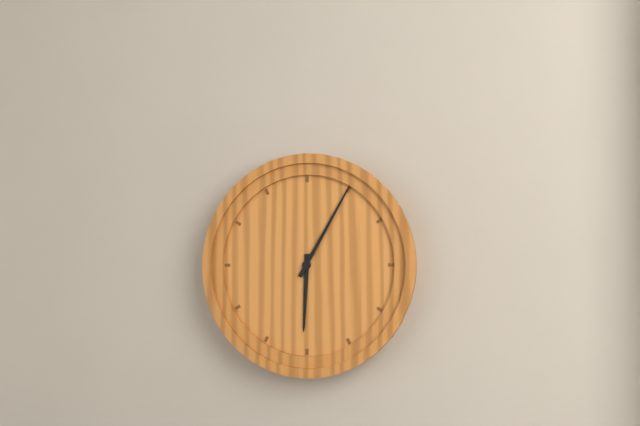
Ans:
**6:05**
